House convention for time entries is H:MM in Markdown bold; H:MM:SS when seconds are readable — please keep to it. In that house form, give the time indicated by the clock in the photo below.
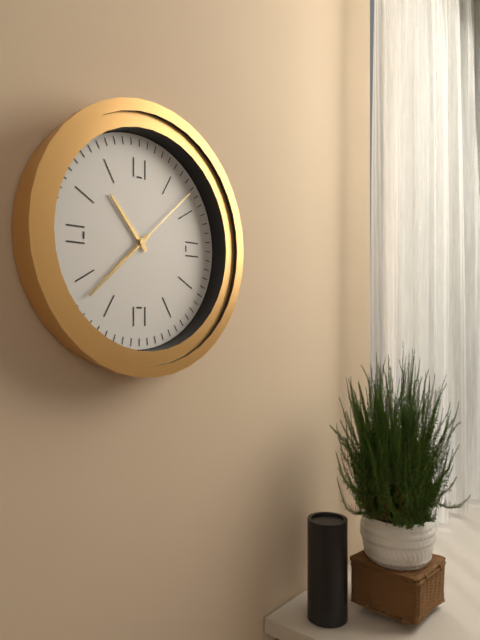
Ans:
**10:38:08**
